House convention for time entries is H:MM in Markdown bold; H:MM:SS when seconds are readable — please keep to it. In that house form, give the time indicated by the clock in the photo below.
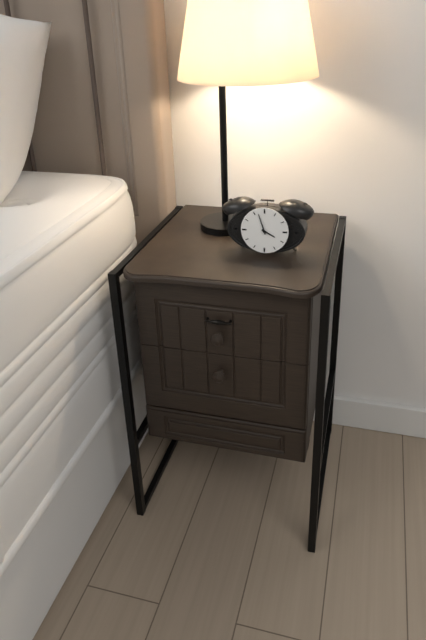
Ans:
**3:57**
